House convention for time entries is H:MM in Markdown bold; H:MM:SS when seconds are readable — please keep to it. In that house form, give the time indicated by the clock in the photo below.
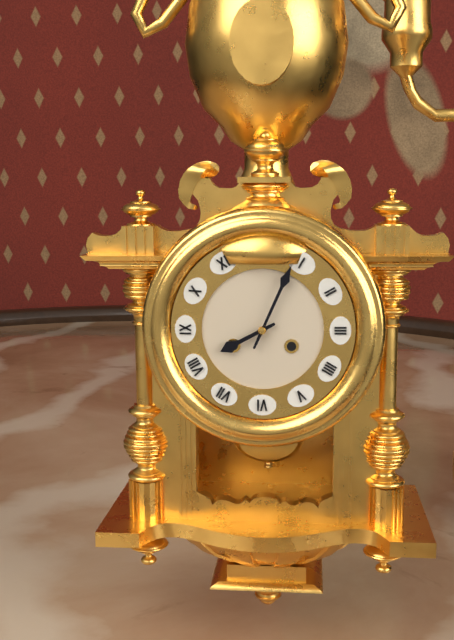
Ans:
**8:04**
